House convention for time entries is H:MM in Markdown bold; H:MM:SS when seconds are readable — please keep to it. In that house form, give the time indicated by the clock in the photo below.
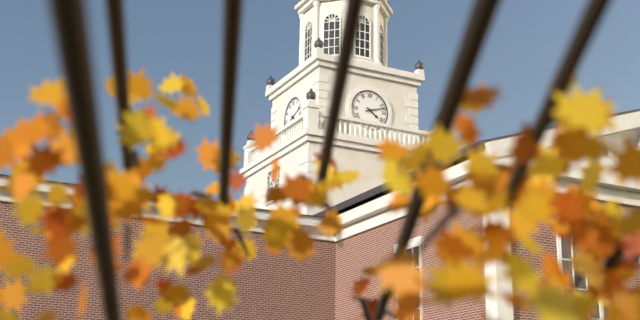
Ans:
**4:12**
